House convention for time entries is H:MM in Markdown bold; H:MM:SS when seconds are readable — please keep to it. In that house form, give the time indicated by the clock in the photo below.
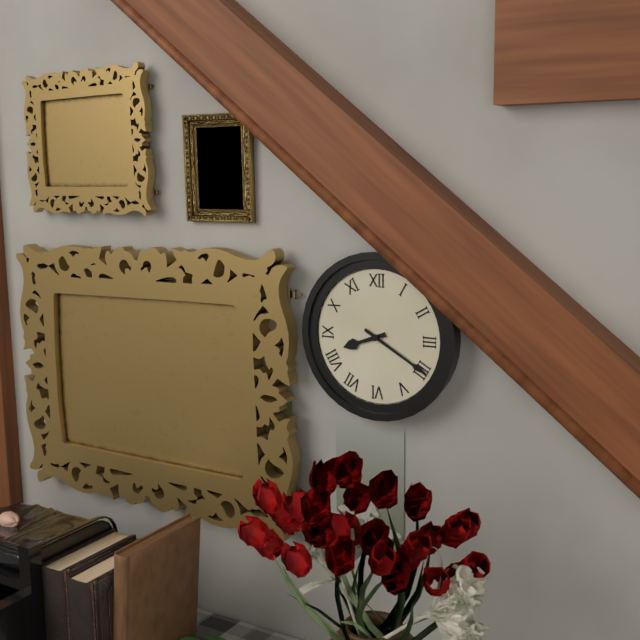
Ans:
**8:20**
